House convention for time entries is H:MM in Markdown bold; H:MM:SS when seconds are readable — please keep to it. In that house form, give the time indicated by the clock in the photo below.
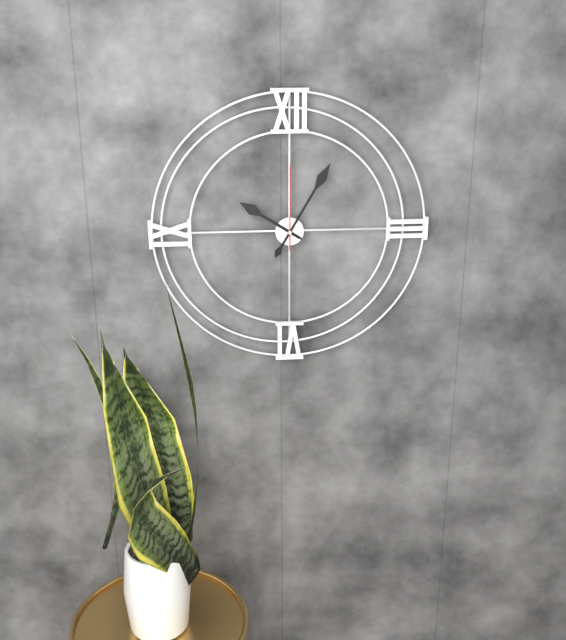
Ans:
**10:05:00**
